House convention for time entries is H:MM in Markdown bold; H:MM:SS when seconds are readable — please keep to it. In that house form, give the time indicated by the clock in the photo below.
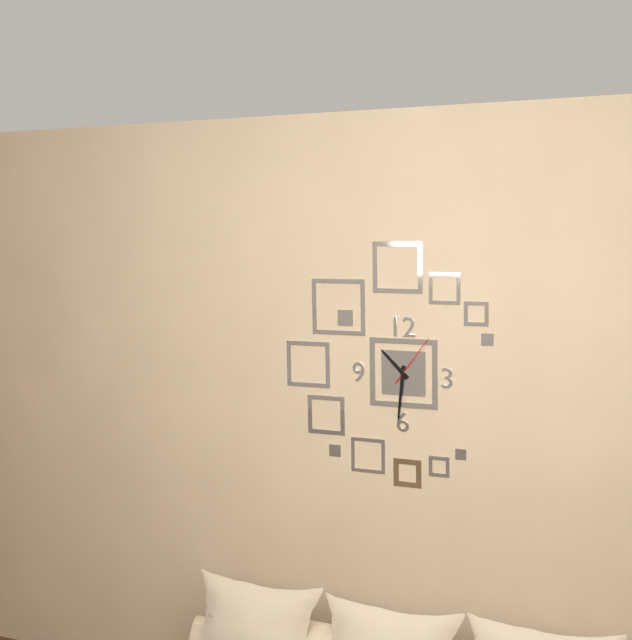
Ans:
**10:31:06**
